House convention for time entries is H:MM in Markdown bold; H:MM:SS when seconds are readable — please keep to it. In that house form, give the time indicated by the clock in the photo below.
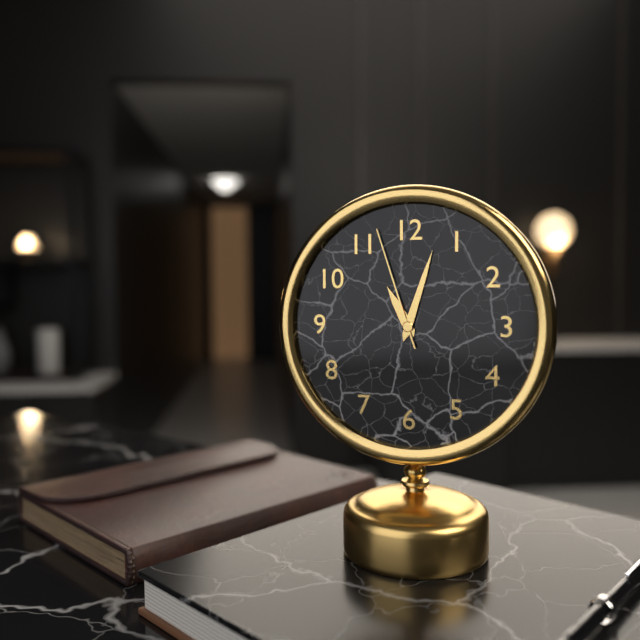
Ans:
**11:03:57**
